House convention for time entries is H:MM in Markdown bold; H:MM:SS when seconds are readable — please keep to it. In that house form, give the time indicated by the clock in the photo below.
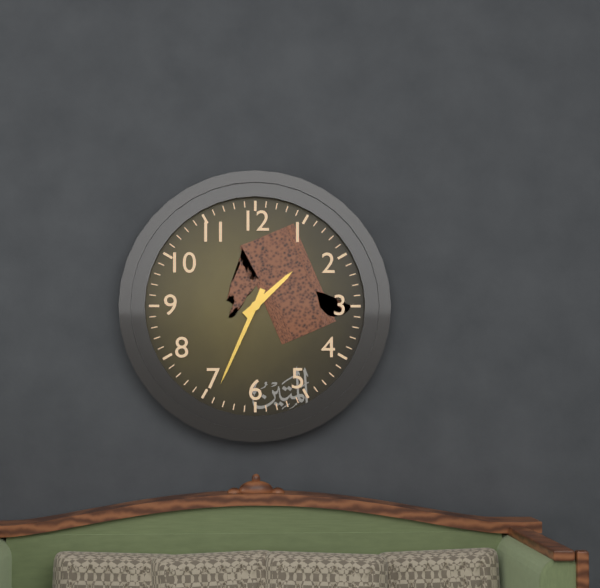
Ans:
**1:34**
